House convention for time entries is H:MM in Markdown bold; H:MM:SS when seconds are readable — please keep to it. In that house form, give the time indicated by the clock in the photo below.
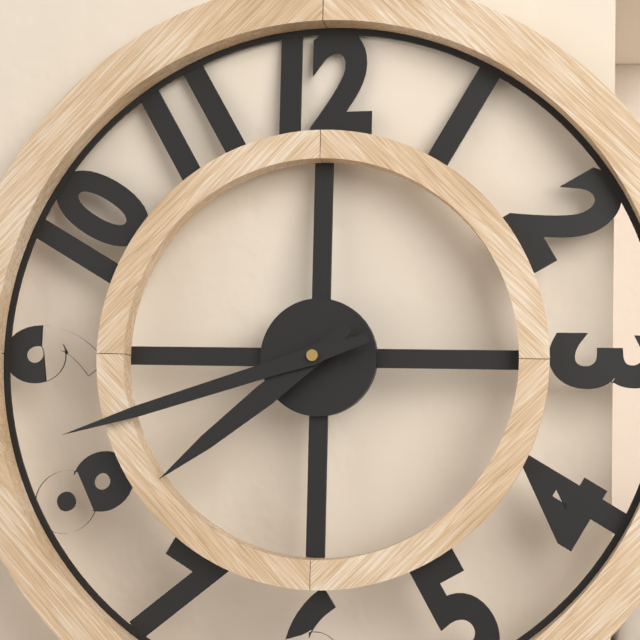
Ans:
**7:42**
